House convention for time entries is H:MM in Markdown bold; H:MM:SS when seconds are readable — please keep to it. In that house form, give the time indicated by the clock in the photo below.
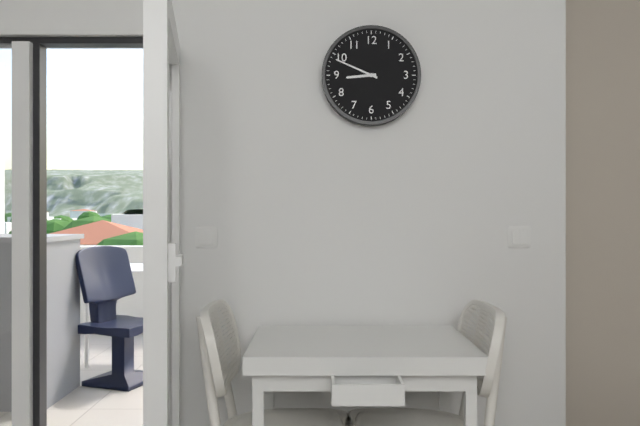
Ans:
**8:49**
